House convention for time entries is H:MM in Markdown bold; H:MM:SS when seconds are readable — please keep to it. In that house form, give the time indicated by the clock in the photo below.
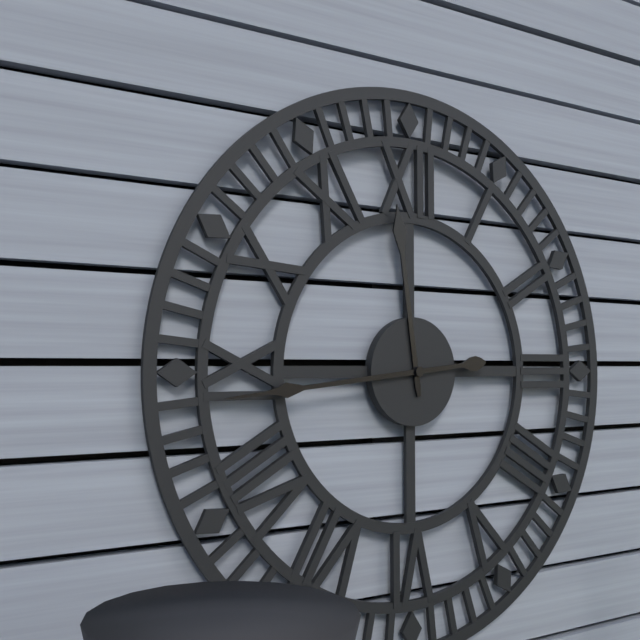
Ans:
**11:44**
